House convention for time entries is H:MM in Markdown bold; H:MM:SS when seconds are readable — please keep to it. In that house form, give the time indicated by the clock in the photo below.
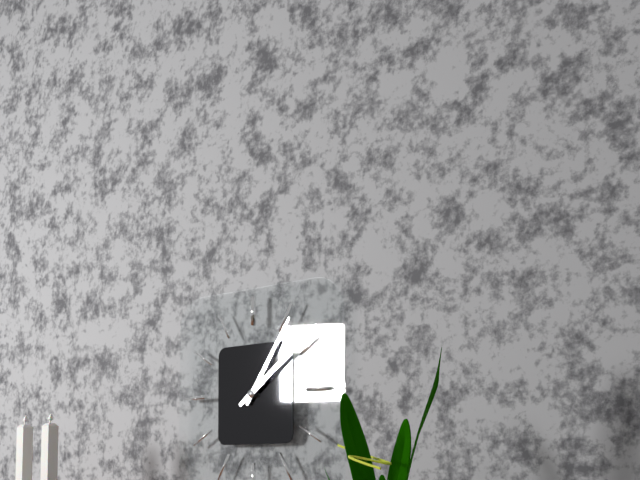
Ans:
**1:09**
